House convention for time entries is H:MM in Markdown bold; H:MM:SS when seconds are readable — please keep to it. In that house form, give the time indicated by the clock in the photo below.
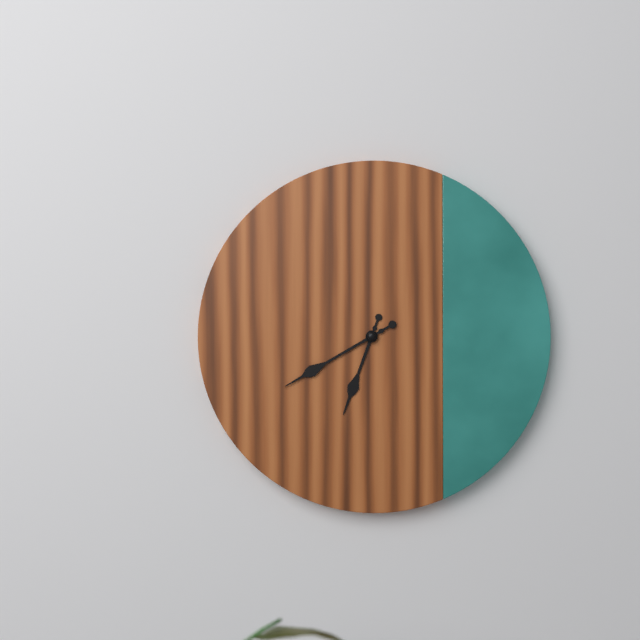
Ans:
**6:40**
